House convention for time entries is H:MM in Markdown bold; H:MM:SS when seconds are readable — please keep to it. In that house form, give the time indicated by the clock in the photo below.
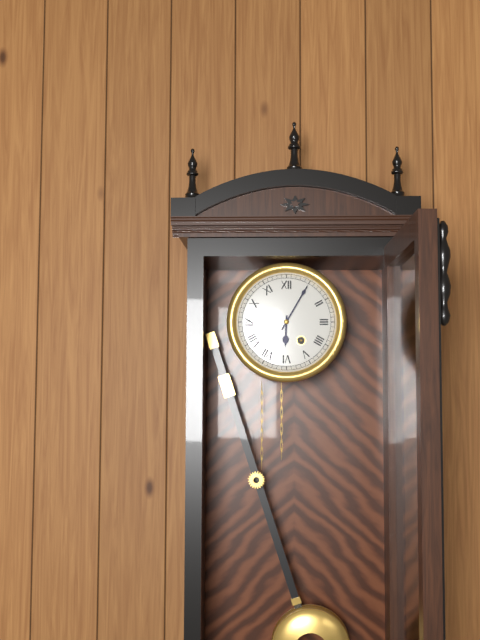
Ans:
**6:05**
